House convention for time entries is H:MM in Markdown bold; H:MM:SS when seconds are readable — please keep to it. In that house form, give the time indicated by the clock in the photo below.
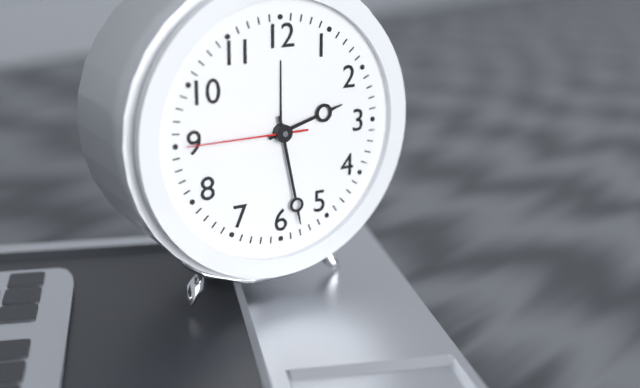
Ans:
**2:28:45**
